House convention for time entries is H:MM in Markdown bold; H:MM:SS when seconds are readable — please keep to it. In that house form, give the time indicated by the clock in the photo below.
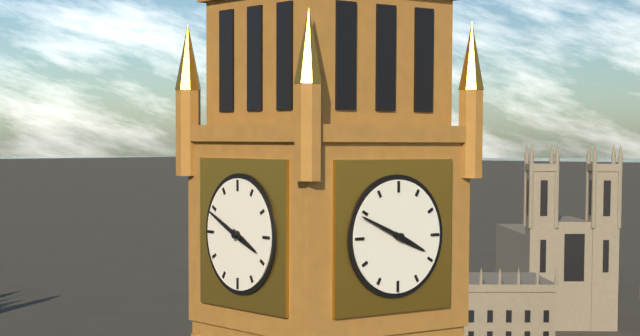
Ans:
**3:49**
